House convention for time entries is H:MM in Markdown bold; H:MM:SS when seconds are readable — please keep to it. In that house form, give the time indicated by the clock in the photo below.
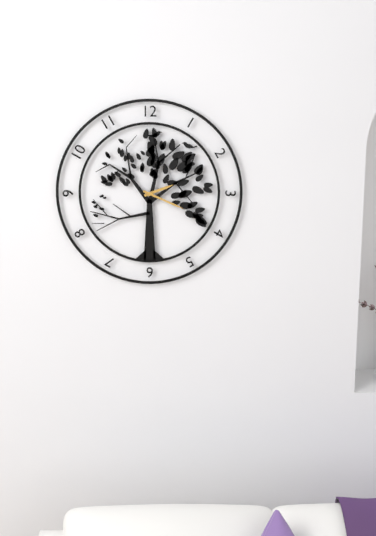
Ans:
**2:19**
